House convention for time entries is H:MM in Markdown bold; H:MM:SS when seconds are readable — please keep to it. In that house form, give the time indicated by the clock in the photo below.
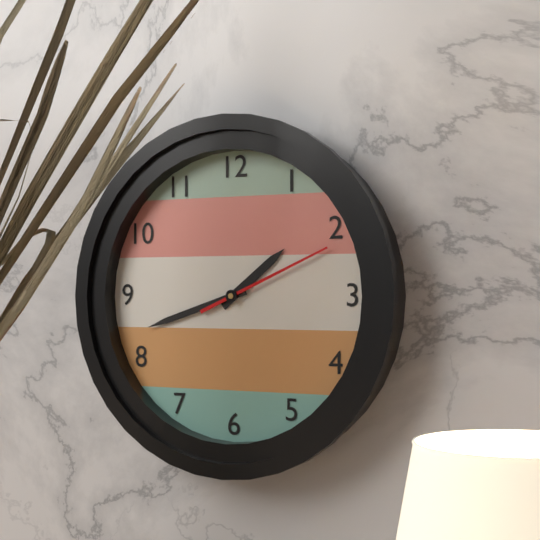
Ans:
**1:42:11**
